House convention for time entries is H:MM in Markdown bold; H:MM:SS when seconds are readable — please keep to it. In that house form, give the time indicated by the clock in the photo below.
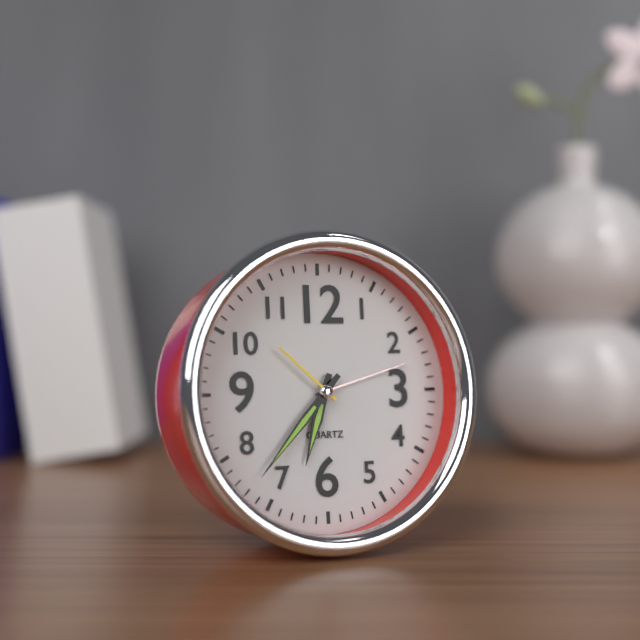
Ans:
**6:37:52**
